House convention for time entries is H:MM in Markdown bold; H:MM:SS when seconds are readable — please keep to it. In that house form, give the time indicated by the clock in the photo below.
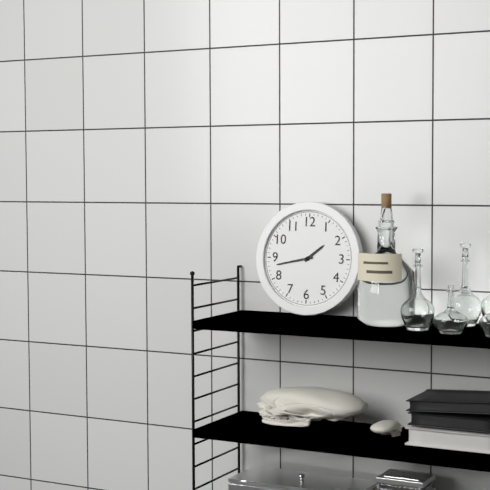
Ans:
**1:43**
